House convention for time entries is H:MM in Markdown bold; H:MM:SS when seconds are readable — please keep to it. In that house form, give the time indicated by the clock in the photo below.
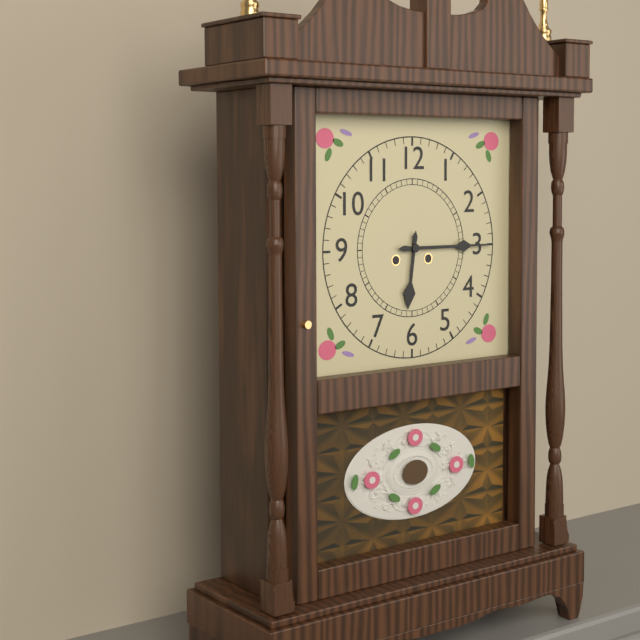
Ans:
**6:15**
